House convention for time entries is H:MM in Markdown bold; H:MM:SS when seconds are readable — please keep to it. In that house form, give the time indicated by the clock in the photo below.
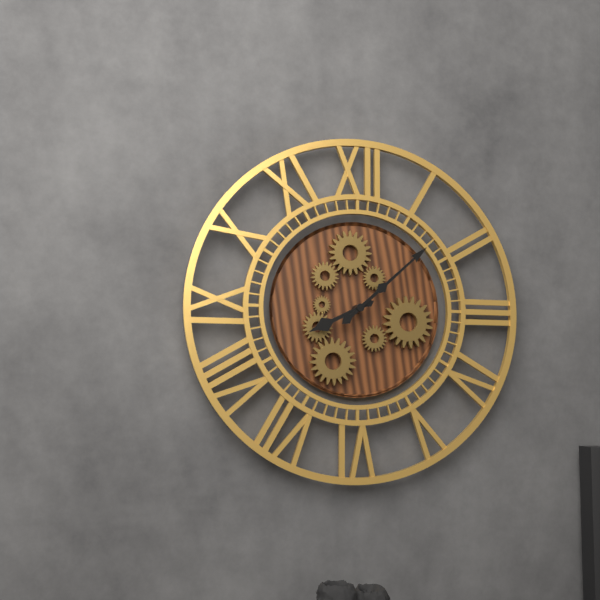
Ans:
**8:08**
